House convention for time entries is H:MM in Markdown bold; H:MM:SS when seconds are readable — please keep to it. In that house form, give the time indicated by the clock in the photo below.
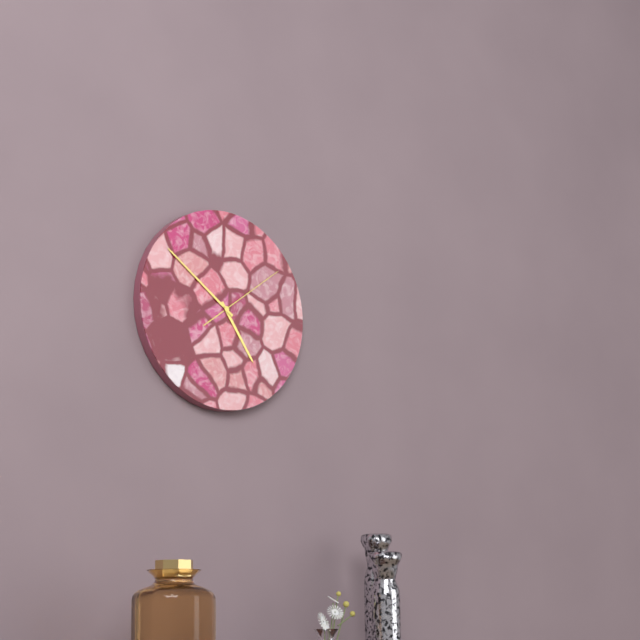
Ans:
**4:51:09**
